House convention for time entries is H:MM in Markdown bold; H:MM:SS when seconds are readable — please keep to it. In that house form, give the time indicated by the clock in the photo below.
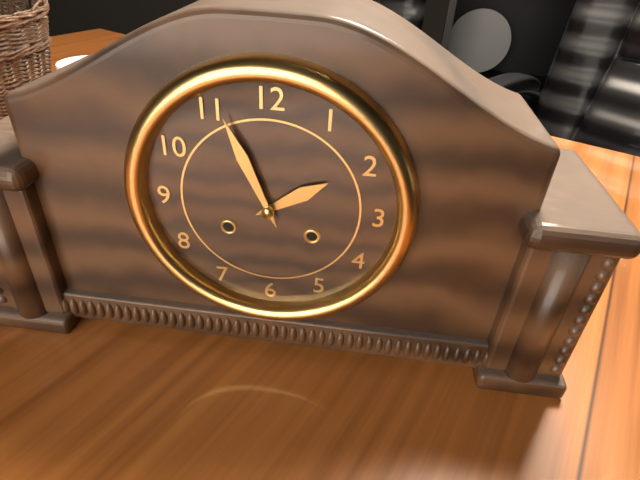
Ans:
**1:56**
